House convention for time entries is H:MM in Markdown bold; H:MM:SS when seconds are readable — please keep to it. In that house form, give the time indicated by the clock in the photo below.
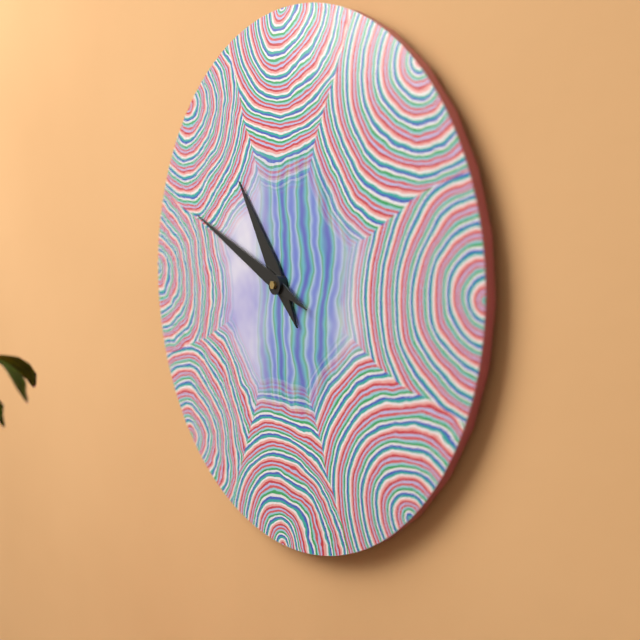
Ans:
**10:49**
